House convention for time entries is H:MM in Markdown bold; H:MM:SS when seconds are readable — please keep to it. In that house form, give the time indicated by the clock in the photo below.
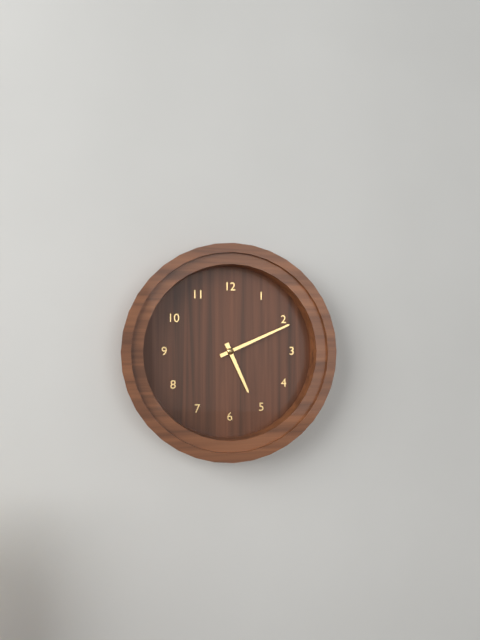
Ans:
**5:11**
